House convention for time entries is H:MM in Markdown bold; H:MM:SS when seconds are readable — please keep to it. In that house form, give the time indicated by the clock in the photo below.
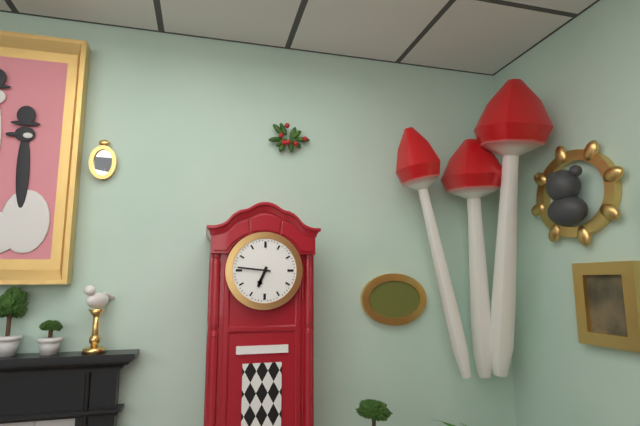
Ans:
**6:46**
